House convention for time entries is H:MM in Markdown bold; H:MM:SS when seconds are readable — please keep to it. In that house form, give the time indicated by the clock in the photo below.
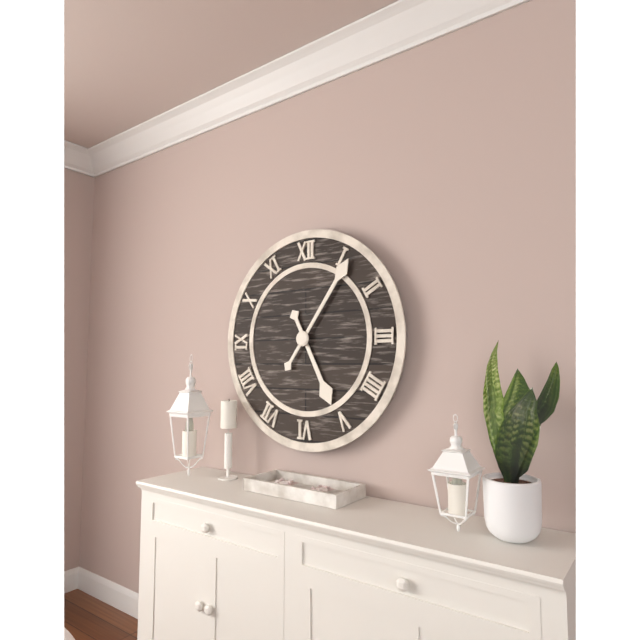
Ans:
**5:06**
